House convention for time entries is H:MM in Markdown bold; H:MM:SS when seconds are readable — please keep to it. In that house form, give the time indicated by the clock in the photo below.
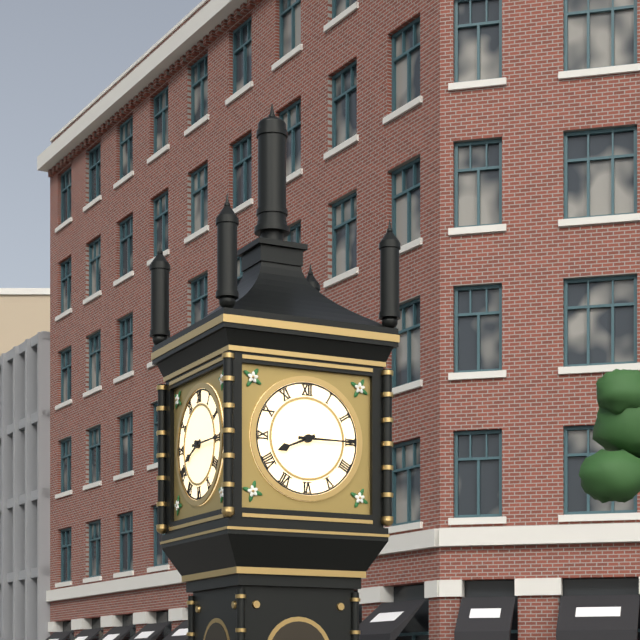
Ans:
**8:15**
